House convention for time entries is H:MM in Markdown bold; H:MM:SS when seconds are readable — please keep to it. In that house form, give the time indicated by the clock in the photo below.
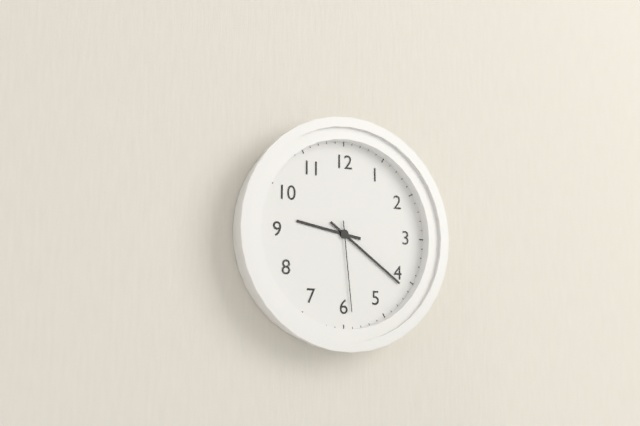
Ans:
**9:21:29**
